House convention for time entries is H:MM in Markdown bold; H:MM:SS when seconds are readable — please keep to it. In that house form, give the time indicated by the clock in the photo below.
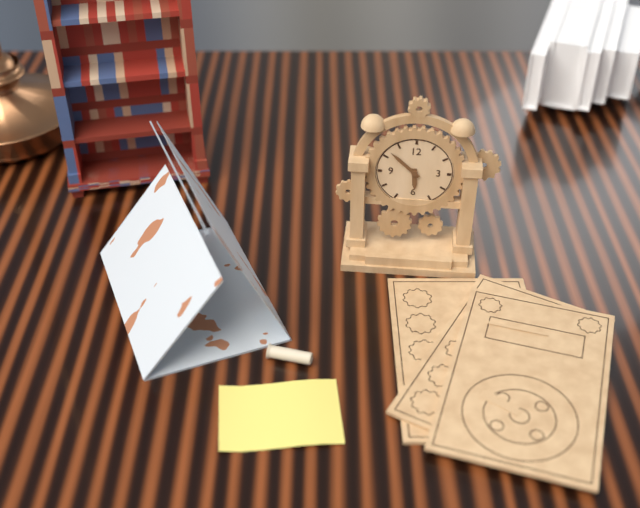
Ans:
**5:52**
